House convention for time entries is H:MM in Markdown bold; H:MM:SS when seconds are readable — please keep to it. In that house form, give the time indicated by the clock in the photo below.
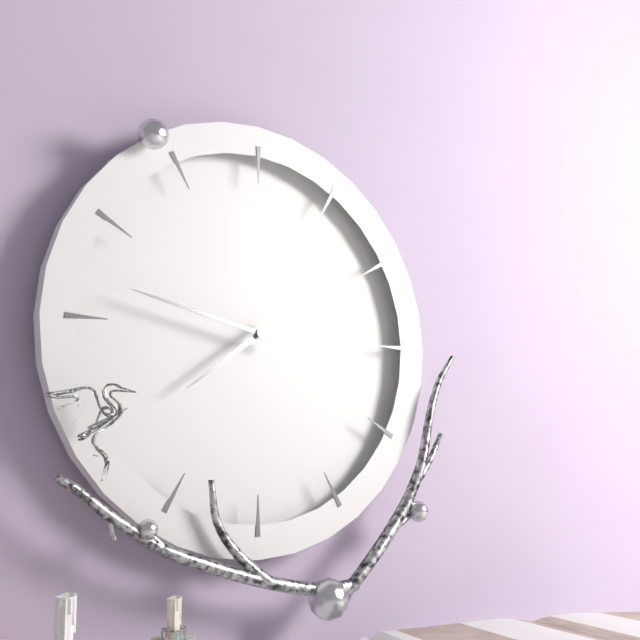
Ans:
**7:47**
